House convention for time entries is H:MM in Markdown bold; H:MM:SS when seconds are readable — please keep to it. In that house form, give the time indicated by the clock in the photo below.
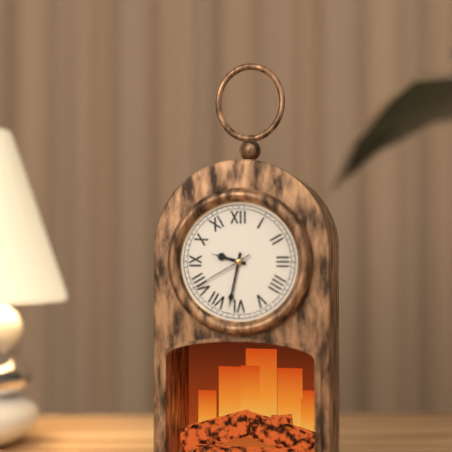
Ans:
**9:32:40**
